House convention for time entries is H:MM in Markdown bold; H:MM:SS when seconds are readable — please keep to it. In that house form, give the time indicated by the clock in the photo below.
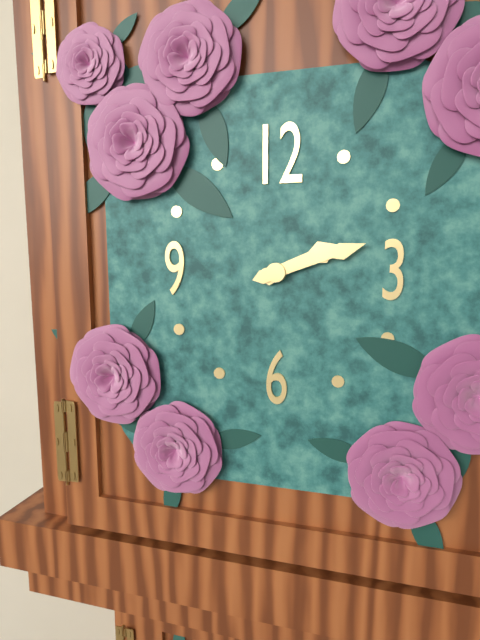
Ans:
**2:12**
